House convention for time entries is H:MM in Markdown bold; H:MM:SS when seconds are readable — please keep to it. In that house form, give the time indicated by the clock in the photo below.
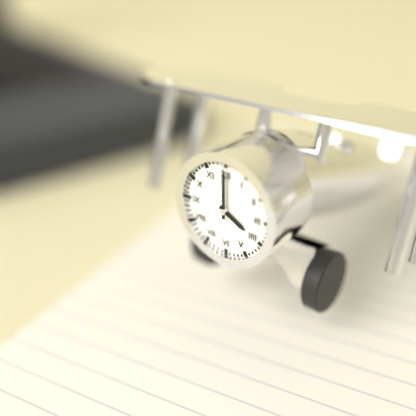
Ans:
**4:00**
